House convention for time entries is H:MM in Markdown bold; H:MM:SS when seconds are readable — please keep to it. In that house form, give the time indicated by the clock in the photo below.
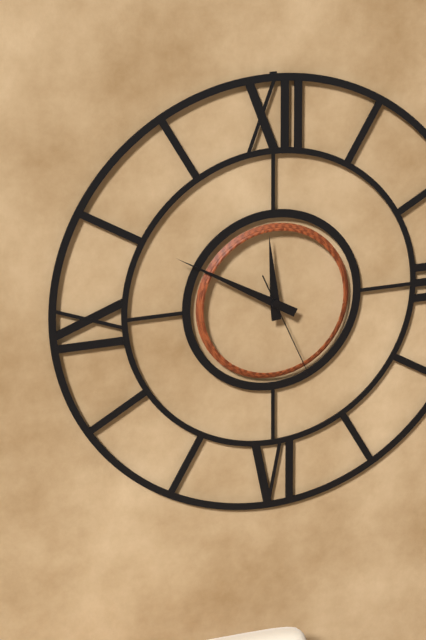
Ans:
**11:50:26**
